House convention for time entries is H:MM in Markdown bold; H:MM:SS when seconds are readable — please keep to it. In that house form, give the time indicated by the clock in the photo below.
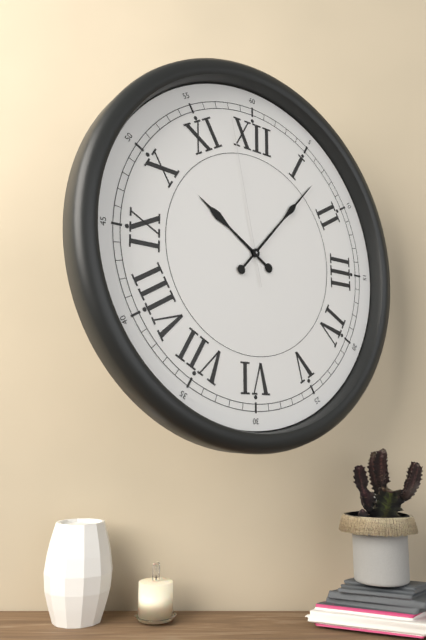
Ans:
**10:07:58**
